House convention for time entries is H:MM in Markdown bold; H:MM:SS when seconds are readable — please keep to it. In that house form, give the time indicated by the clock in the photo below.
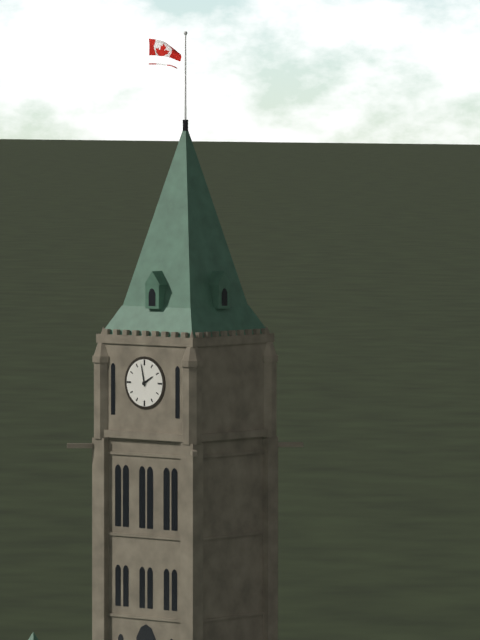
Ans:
**1:58**
